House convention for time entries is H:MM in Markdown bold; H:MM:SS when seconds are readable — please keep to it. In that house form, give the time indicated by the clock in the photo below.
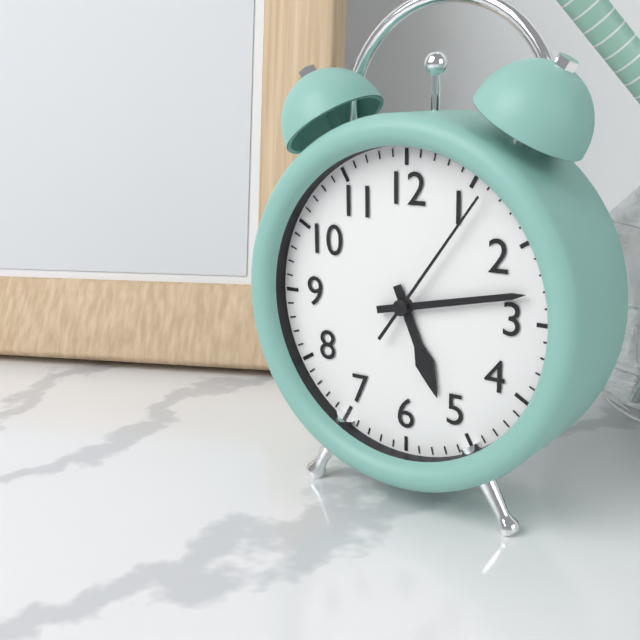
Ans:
**5:13:06**
